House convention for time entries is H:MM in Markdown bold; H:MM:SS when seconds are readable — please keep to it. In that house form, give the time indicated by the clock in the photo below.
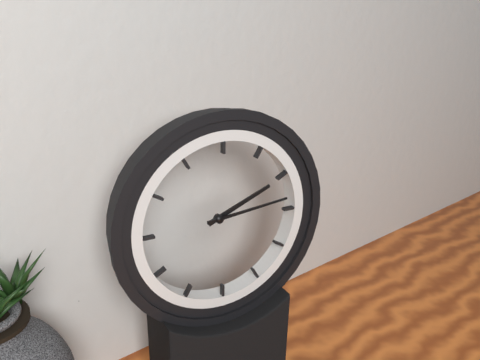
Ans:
**2:14**
